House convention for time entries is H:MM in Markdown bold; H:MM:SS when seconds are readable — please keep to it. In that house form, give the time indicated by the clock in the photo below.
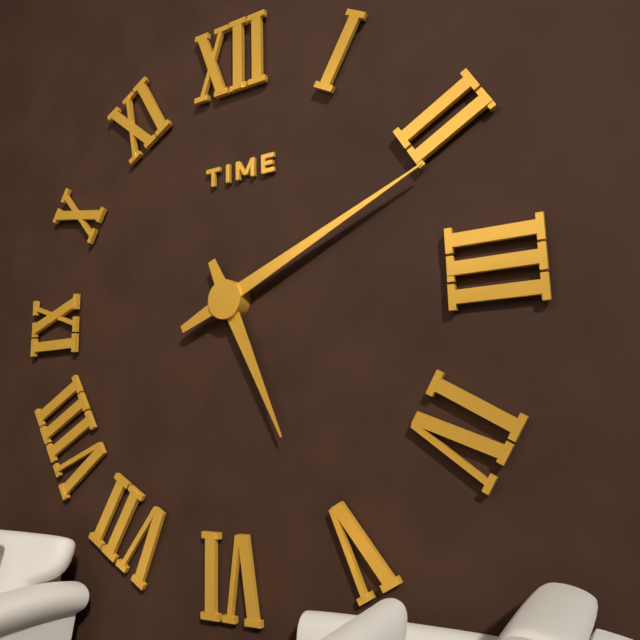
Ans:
**5:11**
